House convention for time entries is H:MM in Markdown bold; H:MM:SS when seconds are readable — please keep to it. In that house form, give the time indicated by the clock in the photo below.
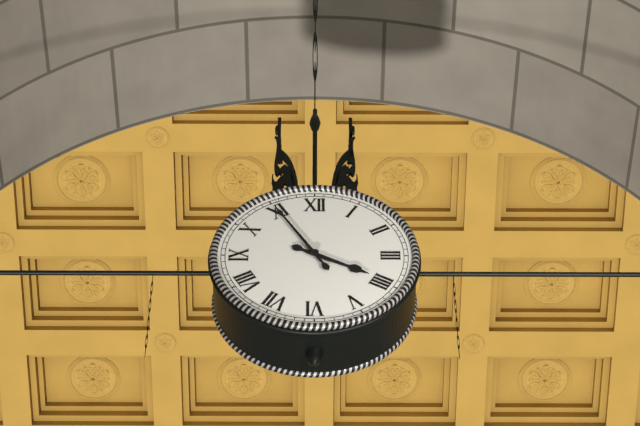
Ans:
**3:55**
